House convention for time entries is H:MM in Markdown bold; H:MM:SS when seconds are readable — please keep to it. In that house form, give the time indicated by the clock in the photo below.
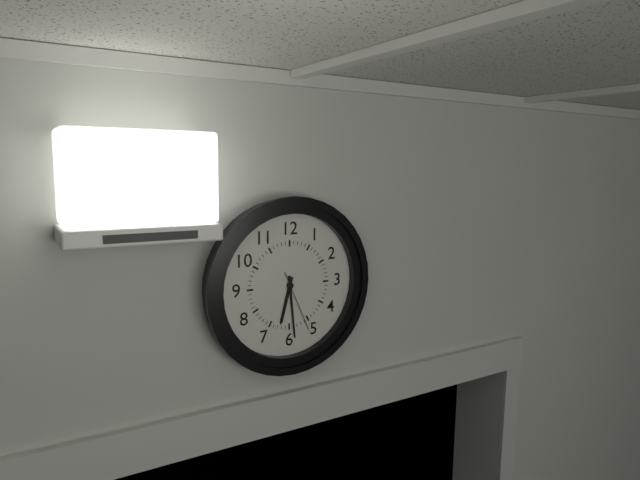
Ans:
**6:29:26**
